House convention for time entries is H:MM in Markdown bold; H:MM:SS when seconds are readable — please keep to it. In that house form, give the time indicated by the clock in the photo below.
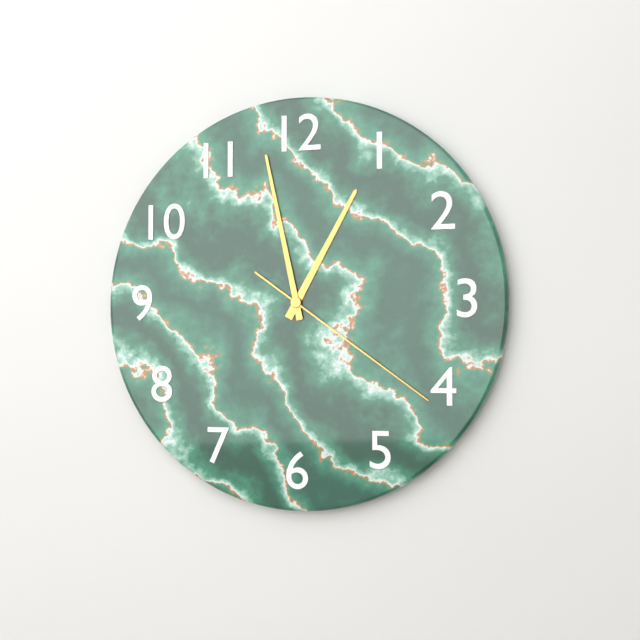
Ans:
**12:58:21**
